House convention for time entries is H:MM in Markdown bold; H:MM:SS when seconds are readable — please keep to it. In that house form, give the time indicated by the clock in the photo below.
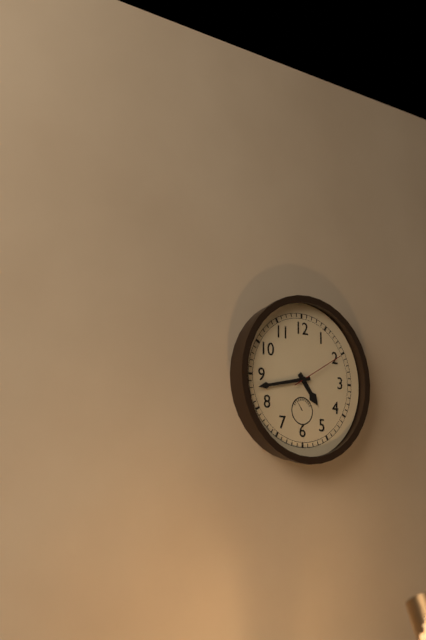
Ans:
**4:43:10**
